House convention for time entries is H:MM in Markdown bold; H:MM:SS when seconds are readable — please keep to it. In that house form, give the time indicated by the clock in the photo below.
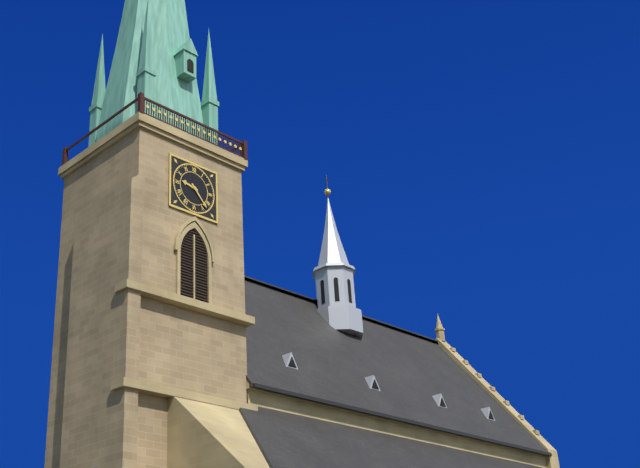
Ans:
**9:23**
